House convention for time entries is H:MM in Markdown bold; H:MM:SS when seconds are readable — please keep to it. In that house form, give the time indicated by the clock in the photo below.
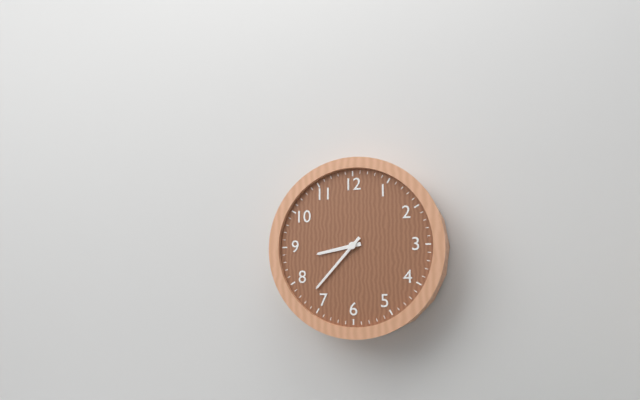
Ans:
**8:37**
